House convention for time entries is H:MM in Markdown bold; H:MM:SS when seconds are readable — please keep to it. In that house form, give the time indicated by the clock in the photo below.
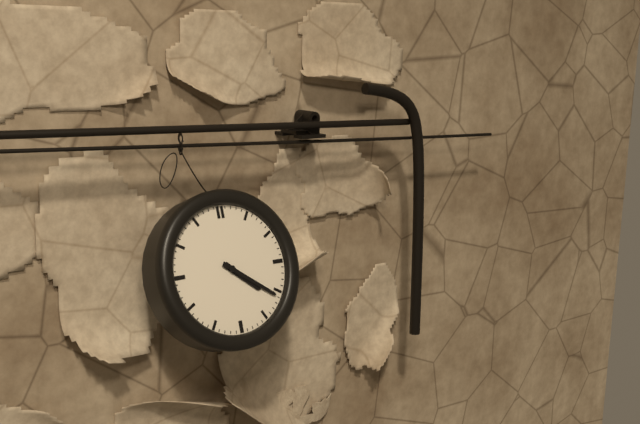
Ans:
**4:21**
